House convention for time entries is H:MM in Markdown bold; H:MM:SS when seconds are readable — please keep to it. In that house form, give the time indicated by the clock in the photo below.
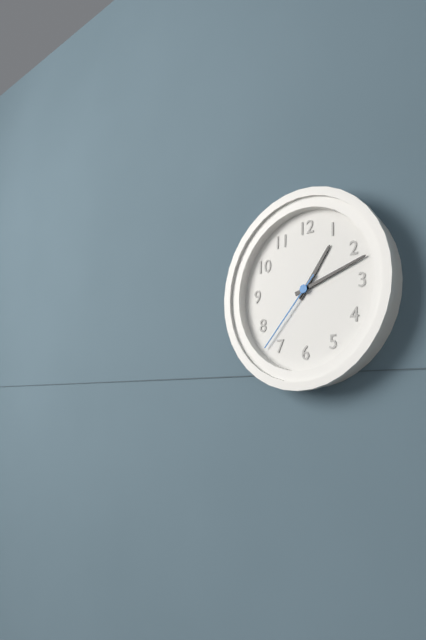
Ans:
**1:12:37**
